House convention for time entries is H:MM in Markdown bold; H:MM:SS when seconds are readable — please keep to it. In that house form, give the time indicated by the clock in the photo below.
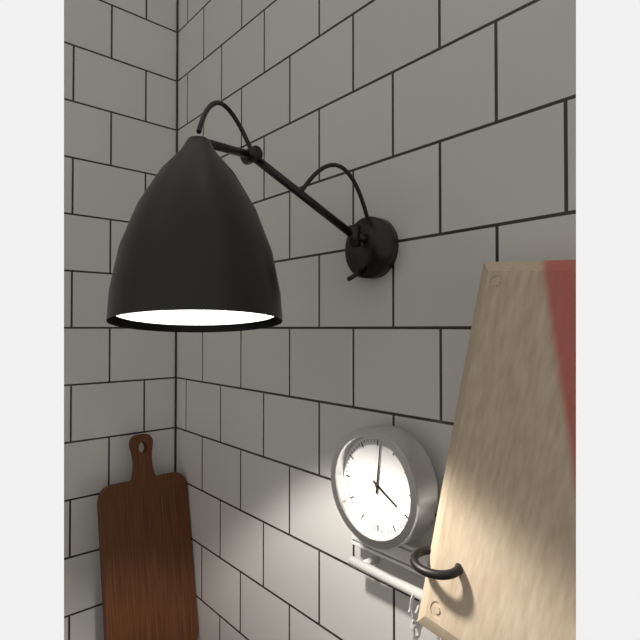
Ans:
**4:01**
